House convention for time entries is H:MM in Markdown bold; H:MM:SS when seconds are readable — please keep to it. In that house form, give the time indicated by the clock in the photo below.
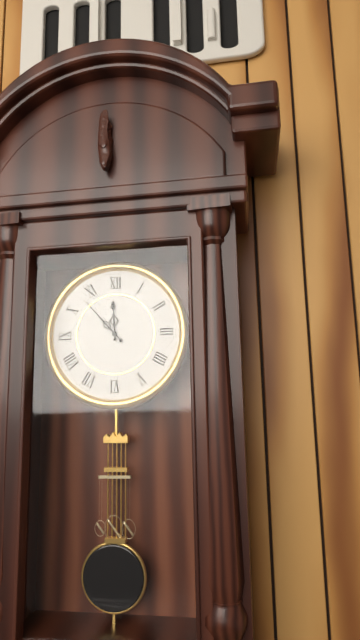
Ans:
**11:53**
